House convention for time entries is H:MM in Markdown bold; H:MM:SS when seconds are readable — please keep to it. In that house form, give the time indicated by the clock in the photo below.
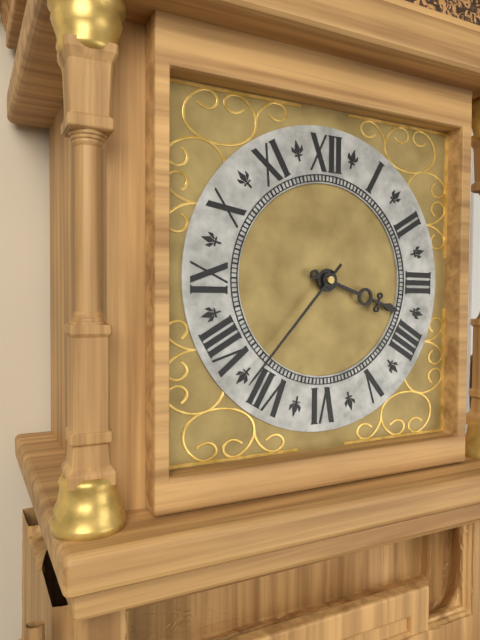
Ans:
**3:37**
